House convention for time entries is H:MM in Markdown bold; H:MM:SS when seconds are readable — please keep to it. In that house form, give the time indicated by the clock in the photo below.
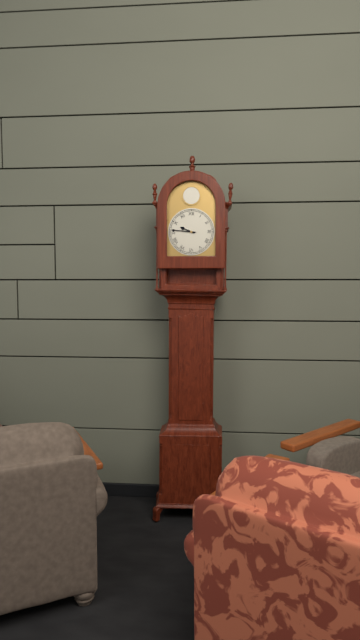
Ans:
**9:46**
